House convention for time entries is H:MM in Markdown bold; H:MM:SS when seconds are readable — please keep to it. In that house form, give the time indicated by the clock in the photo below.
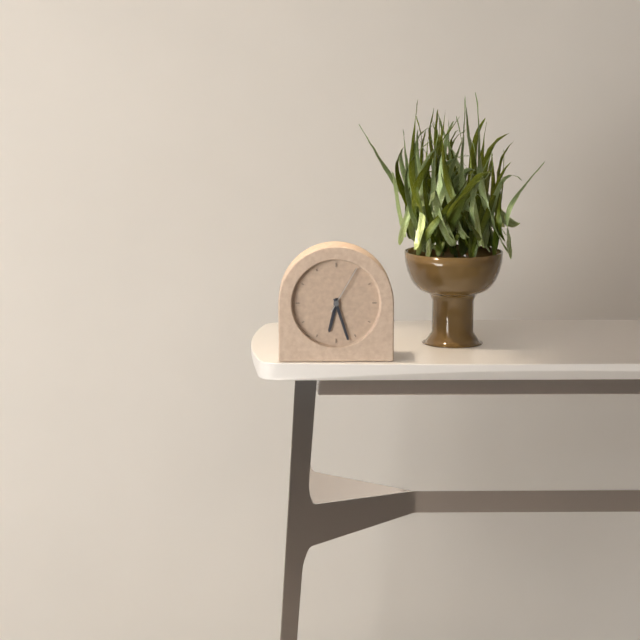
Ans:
**6:27:05**
